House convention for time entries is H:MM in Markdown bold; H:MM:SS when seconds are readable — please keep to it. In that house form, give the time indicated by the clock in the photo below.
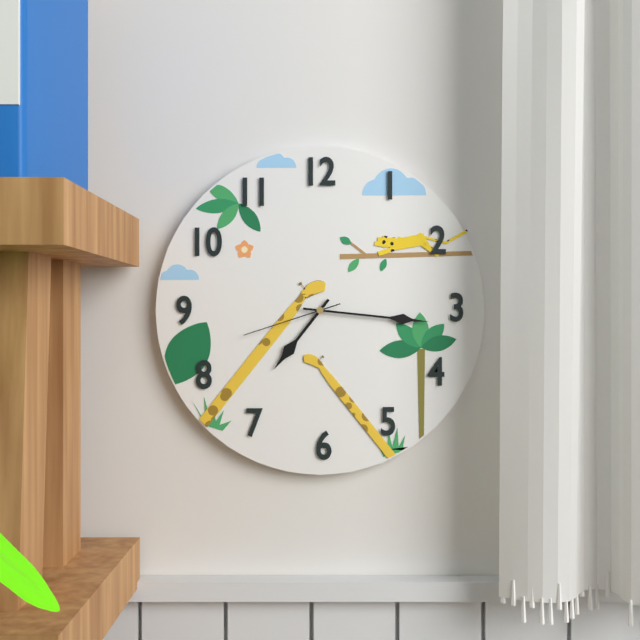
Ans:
**7:16:42**
